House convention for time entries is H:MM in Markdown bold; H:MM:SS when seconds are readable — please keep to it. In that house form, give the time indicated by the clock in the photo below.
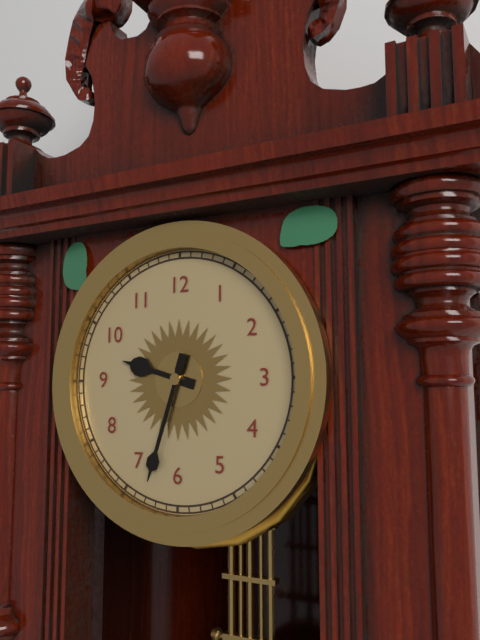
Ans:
**9:33**
